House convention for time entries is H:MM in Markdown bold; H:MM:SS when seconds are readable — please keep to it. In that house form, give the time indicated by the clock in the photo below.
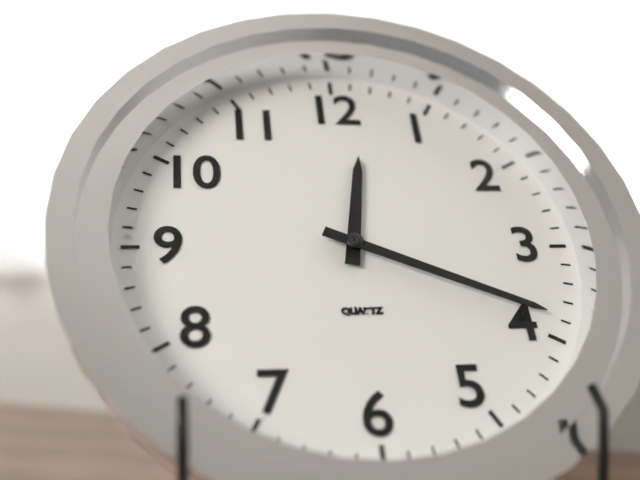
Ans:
**12:19**
